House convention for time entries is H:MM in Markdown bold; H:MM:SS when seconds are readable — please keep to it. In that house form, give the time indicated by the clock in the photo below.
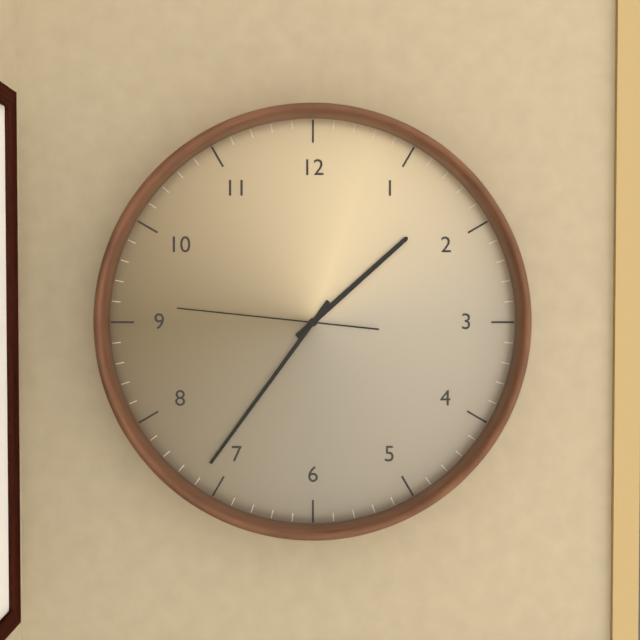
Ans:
**1:36:46**
